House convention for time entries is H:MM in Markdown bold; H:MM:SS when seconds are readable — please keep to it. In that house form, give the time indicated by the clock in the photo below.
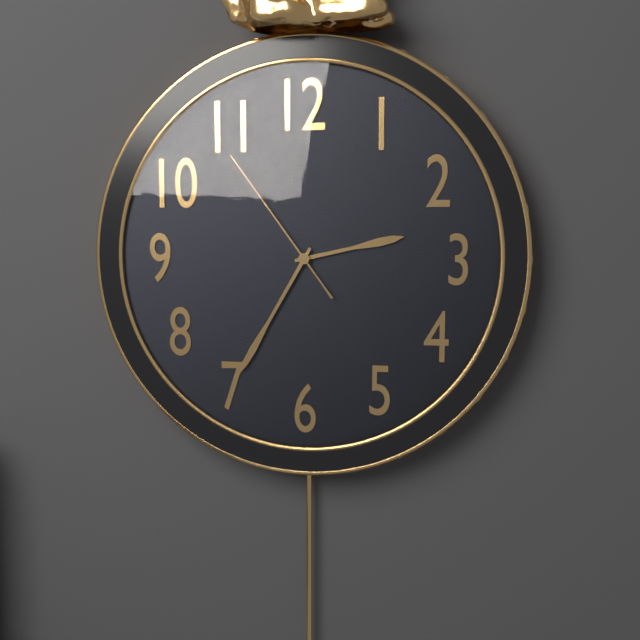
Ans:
**2:35:54**
